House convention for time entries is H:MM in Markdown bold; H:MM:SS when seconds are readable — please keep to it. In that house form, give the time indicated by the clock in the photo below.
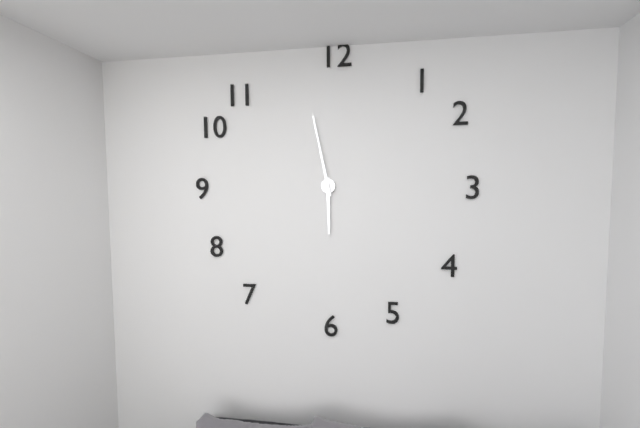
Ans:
**5:58**
